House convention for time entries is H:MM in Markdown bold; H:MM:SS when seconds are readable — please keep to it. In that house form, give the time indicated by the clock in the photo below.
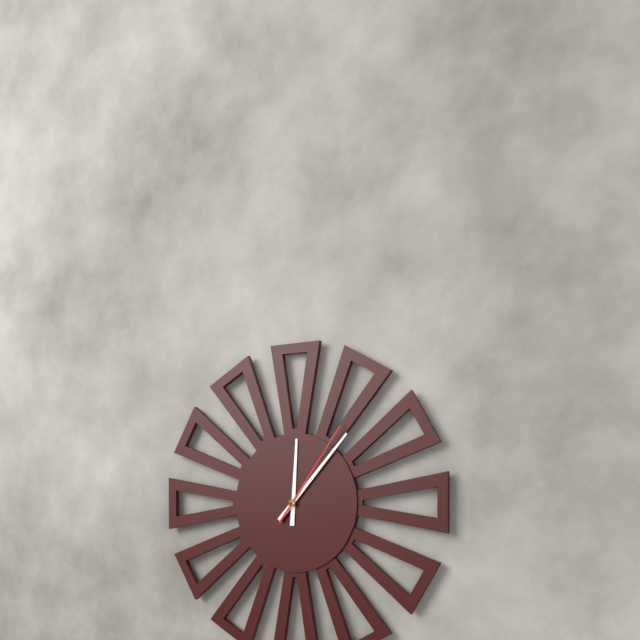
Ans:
**12:07:06**
